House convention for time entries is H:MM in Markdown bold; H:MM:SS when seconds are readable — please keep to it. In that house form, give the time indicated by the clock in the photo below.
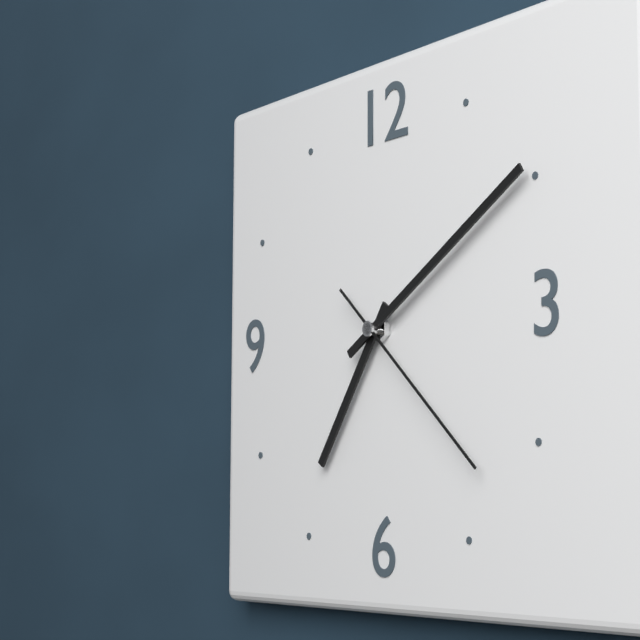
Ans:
**7:10:22**
